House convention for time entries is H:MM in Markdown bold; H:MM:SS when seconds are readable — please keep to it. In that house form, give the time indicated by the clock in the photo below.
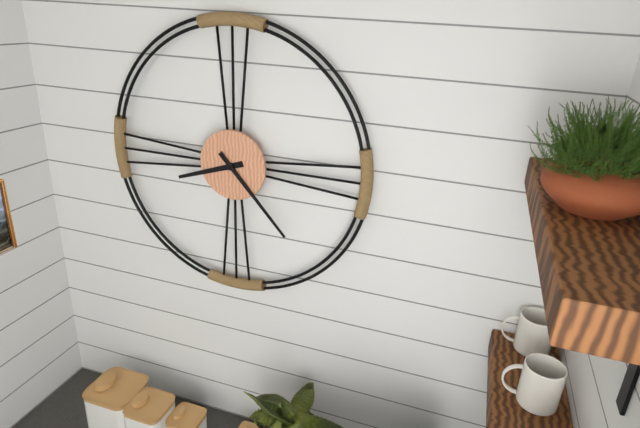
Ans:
**8:23**
